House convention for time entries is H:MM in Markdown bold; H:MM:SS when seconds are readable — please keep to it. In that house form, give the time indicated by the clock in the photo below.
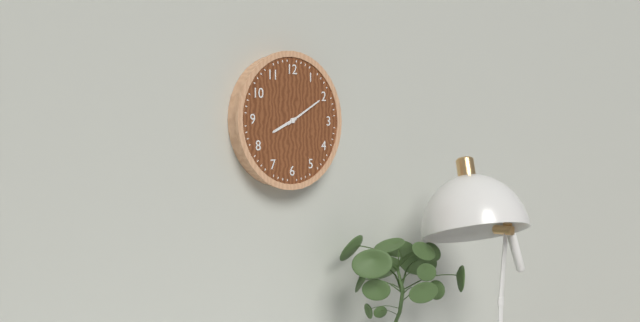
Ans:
**8:10**
